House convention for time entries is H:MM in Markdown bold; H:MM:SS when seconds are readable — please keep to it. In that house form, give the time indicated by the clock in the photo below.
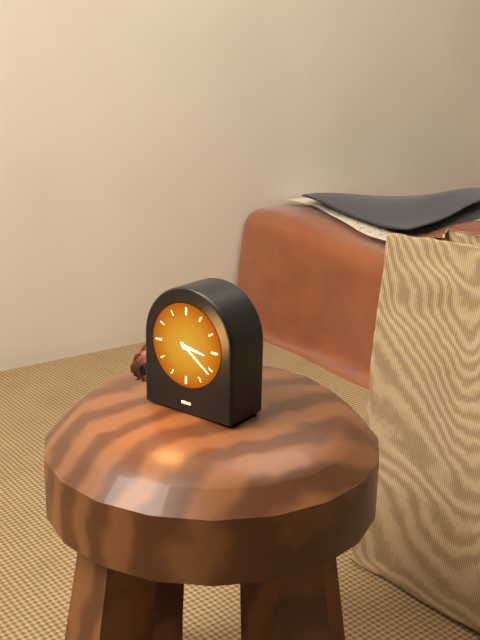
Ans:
**3:21**
